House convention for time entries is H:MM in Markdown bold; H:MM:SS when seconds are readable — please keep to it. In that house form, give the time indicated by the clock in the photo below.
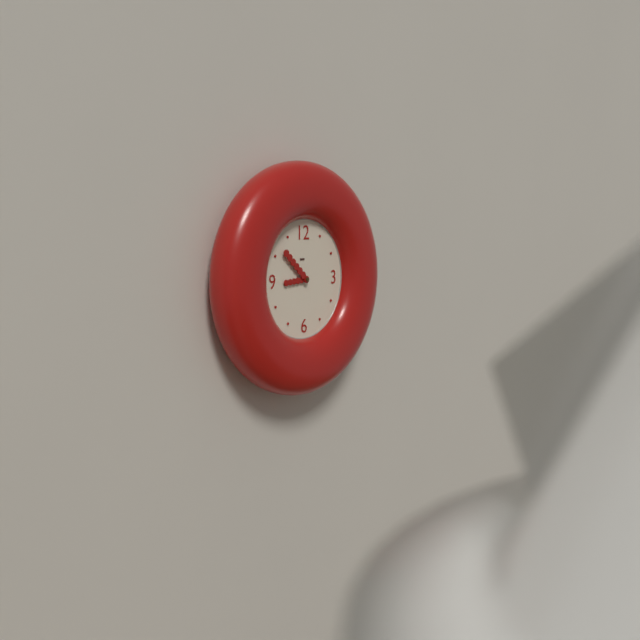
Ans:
**8:52**
